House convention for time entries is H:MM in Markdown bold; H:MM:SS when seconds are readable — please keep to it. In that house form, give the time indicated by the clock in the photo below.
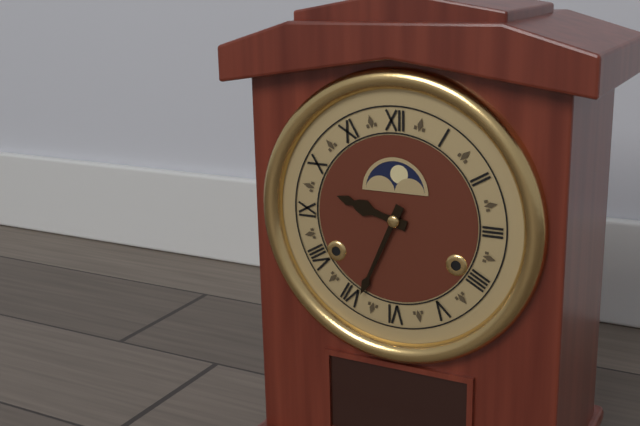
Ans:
**9:34**
